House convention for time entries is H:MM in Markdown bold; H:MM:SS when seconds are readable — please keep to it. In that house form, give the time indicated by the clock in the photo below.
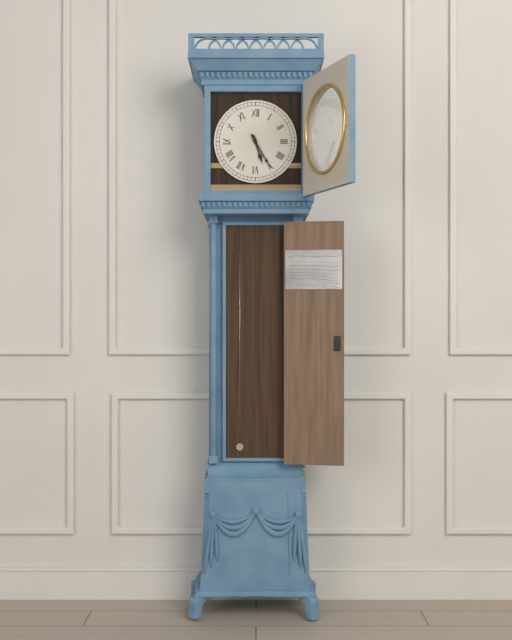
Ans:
**5:25**
